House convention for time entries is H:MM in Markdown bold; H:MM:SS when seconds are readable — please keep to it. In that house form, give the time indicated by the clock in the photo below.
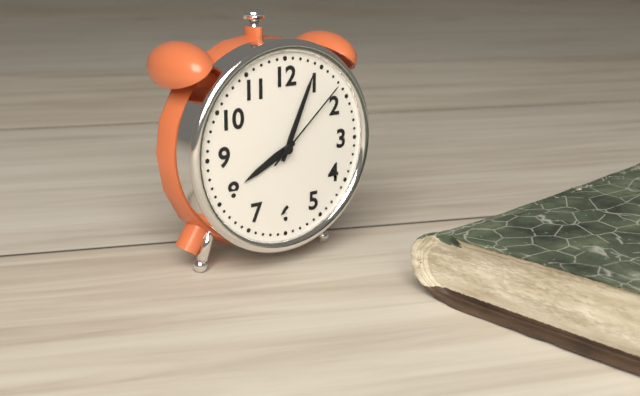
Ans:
**8:04:08**
